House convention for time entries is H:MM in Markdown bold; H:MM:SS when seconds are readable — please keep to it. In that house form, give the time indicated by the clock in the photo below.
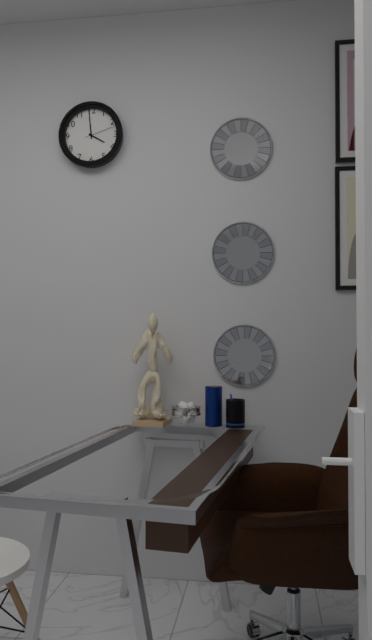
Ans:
**3:59**
